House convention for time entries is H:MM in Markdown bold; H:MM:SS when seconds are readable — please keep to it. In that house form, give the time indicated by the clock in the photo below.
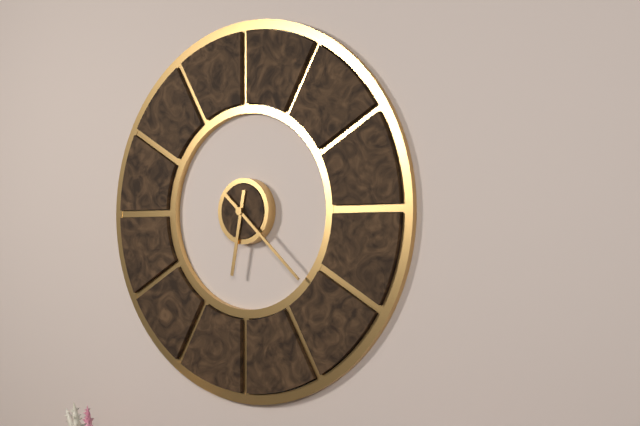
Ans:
**6:22**
